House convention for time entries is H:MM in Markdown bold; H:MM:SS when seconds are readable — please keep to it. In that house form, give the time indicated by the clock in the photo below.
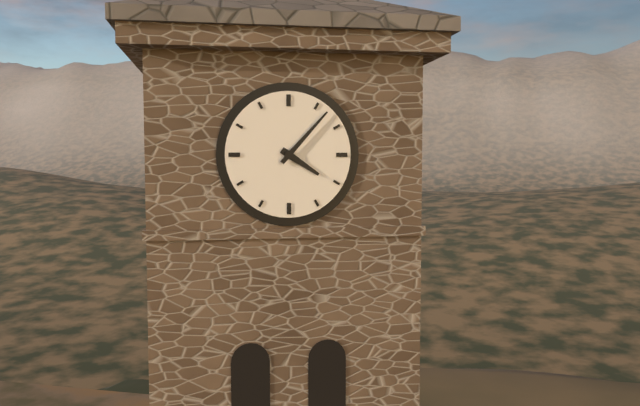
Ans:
**4:07**
